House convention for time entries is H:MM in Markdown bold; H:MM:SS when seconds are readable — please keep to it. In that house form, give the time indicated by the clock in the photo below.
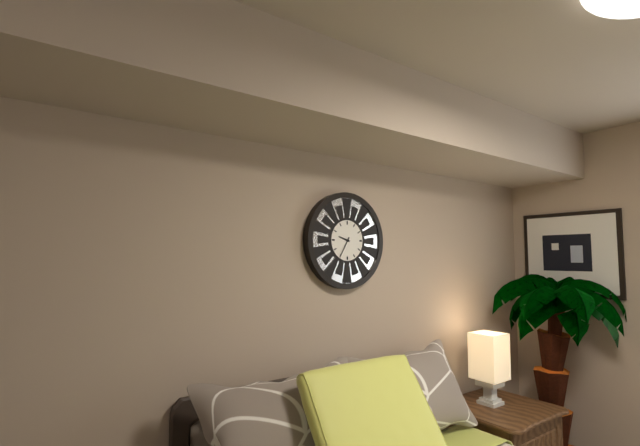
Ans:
**9:35**
